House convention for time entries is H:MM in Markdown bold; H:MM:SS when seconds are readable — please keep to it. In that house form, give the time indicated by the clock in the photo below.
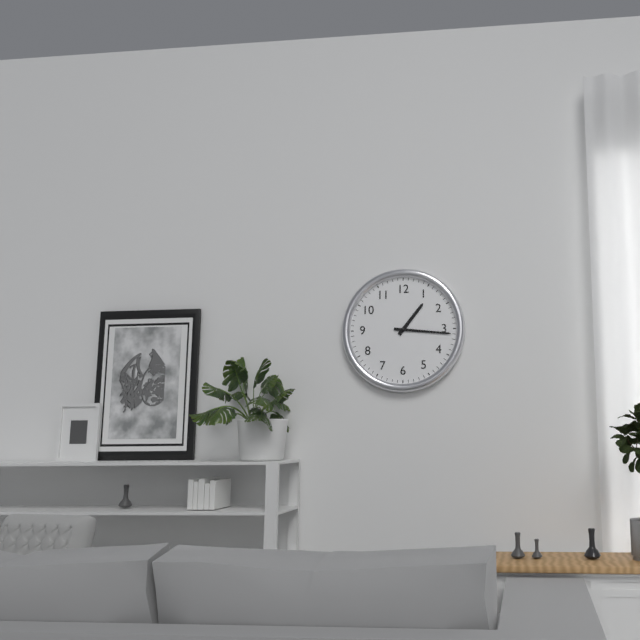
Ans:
**1:16**
